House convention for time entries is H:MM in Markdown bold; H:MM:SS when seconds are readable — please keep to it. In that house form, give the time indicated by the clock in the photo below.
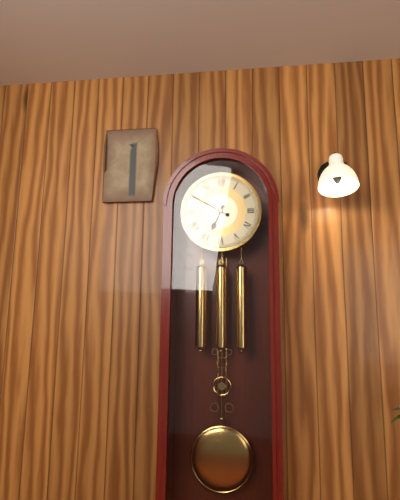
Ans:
**6:50**
